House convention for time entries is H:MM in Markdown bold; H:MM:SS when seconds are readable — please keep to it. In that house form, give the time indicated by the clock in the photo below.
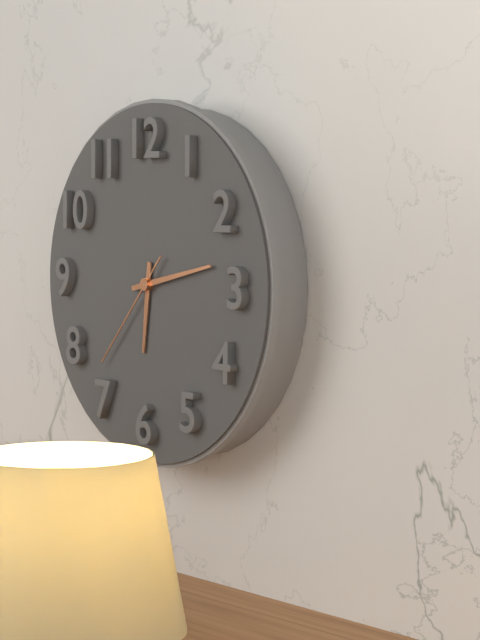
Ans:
**6:13:37**
